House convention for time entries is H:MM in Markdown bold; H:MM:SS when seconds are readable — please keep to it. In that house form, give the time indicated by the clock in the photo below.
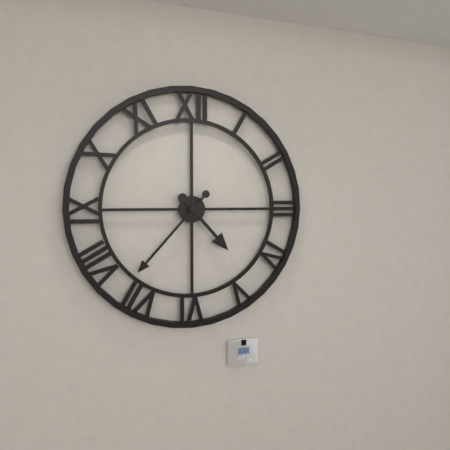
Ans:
**4:37**
